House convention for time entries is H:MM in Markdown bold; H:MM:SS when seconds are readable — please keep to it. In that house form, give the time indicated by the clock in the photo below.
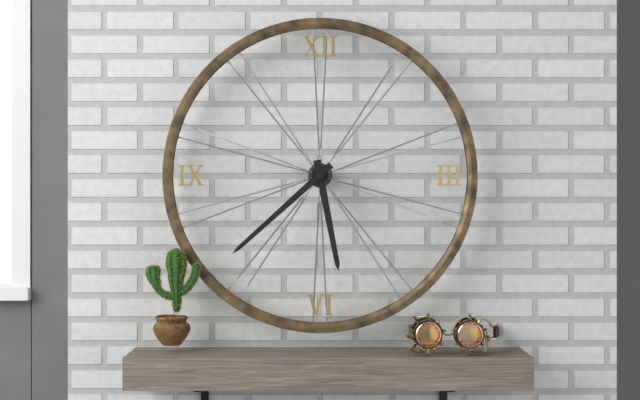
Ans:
**5:38**
